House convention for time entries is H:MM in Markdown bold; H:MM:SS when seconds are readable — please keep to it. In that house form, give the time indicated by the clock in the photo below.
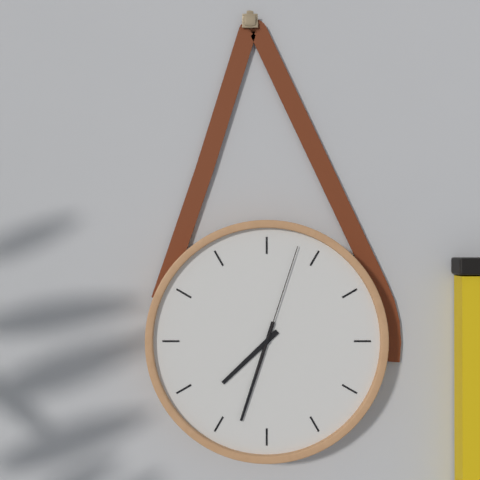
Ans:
**7:33:03**
